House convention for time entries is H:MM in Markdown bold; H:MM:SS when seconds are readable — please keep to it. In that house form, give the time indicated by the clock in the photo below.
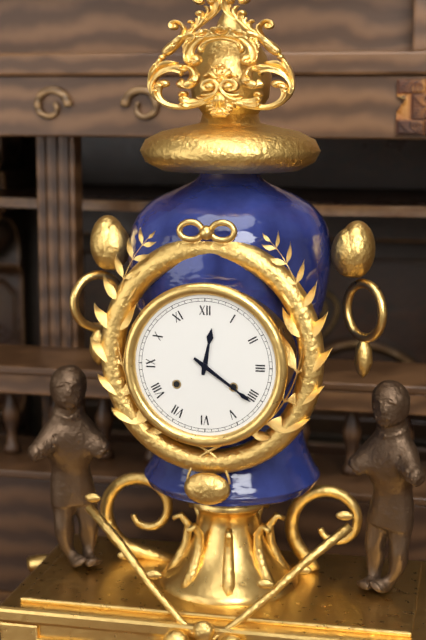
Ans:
**12:21**
